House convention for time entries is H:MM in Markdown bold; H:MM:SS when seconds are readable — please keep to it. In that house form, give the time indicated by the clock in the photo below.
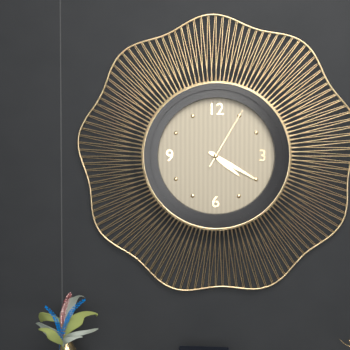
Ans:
**4:20:05**
